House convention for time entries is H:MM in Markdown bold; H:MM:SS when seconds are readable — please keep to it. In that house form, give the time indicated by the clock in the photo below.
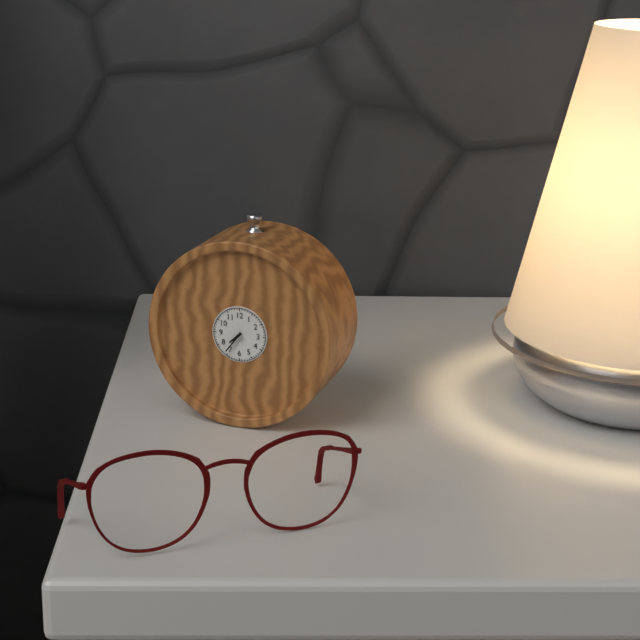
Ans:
**7:36**
